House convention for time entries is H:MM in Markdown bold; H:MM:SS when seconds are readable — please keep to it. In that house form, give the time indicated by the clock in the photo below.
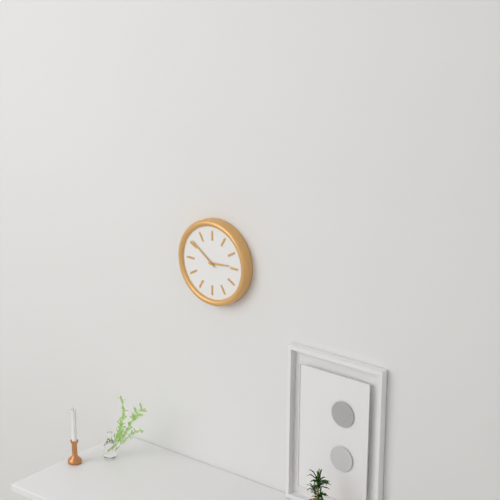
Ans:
**2:51**
